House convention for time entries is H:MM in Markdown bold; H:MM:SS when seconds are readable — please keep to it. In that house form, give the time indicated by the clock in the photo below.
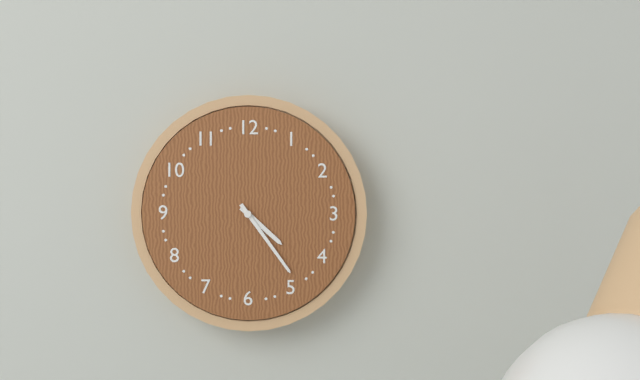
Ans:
**4:24**
